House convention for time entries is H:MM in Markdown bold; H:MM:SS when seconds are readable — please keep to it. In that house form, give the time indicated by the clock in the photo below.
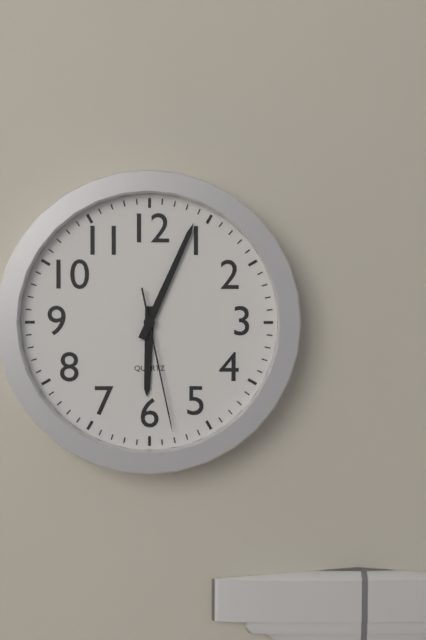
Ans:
**6:04:28**
